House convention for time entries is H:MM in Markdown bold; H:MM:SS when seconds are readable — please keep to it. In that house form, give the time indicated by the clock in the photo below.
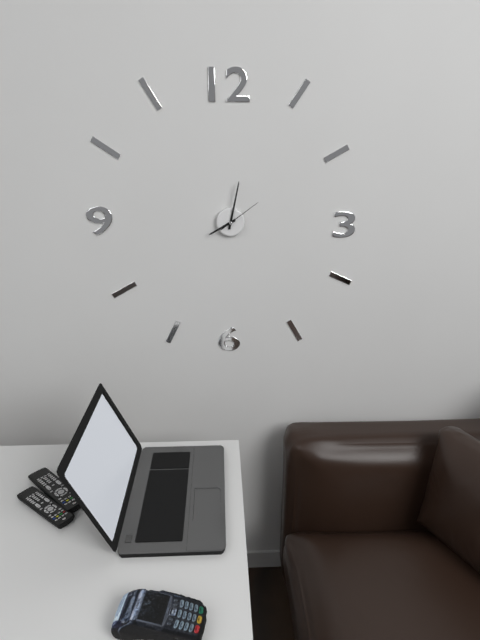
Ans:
**8:02**
